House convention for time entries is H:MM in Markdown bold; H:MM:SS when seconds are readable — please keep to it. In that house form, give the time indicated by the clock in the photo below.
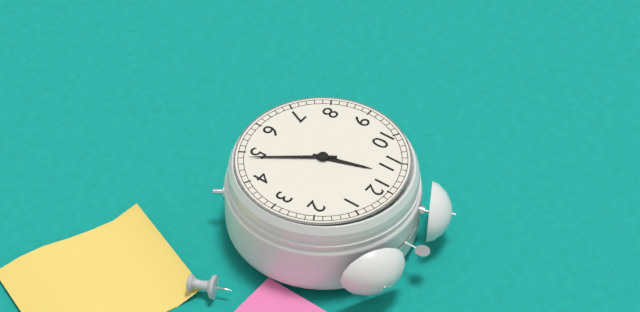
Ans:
**11:24**
